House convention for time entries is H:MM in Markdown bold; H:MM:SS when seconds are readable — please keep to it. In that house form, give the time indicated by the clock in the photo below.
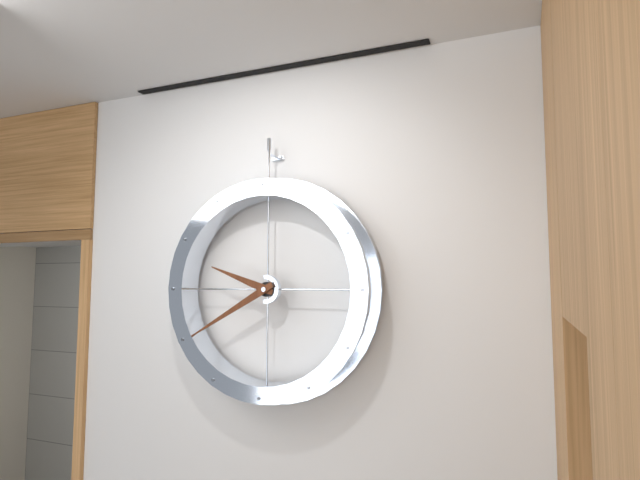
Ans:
**9:40**
